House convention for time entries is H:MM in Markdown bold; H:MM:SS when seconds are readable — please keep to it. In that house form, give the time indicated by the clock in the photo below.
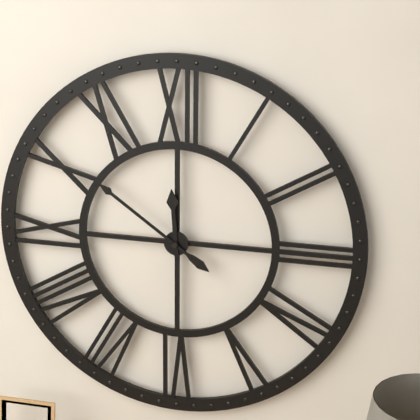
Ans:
**11:51**
